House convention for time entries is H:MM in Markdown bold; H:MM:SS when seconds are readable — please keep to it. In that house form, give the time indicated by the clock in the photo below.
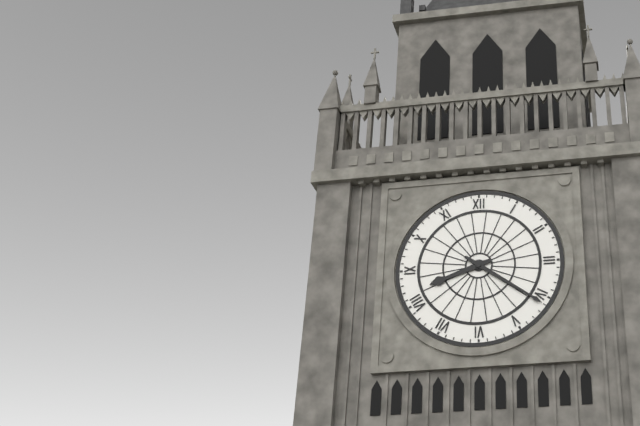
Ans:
**8:21**
